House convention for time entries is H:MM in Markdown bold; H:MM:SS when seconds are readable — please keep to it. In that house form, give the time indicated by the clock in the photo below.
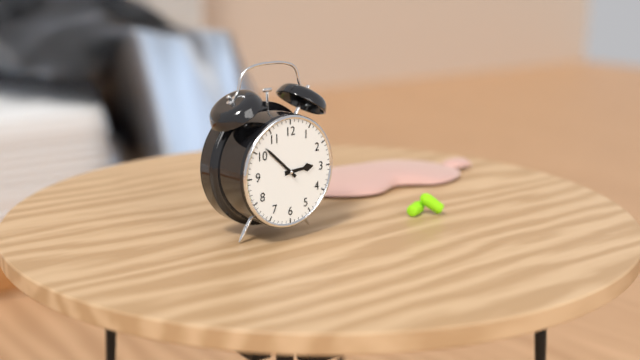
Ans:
**2:52**
